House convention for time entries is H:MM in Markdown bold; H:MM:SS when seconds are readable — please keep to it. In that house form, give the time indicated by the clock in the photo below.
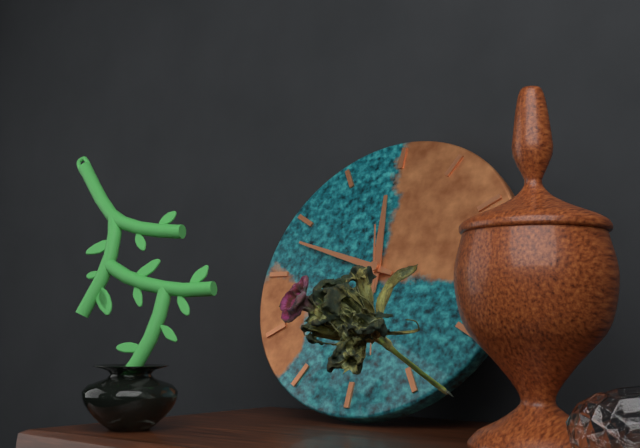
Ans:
**11:48**
